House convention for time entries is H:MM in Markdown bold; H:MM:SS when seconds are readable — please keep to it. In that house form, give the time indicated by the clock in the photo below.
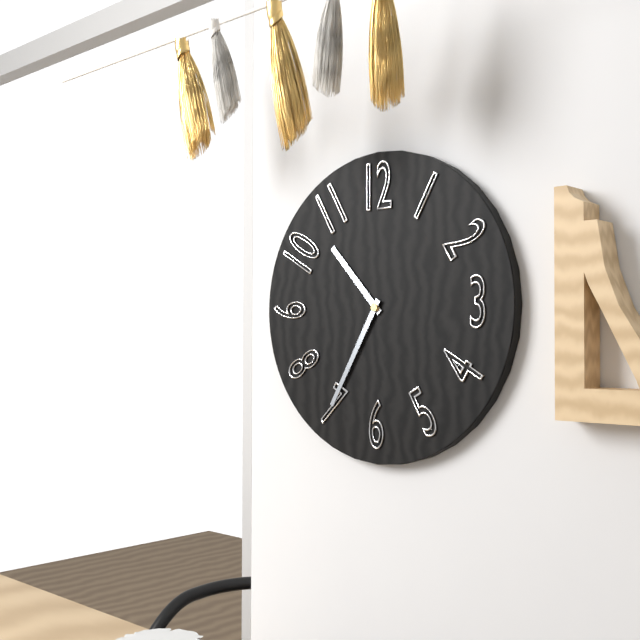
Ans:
**10:35**
